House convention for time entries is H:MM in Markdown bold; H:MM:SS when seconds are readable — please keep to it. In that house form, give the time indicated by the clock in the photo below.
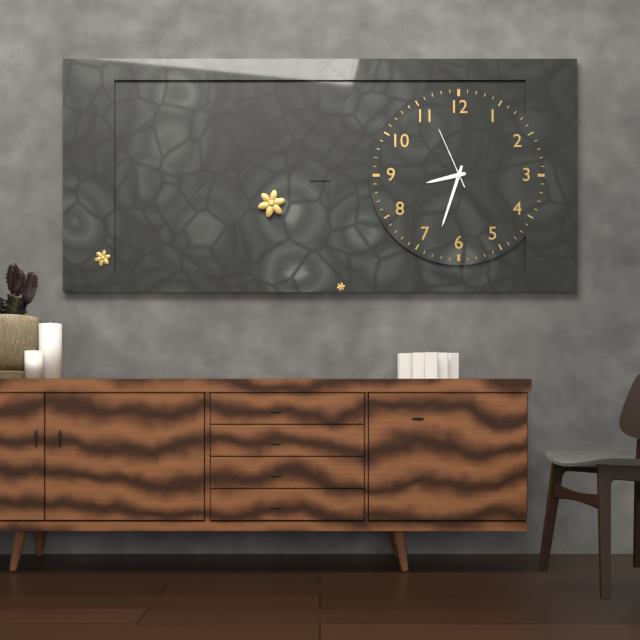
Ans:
**8:33:56**
